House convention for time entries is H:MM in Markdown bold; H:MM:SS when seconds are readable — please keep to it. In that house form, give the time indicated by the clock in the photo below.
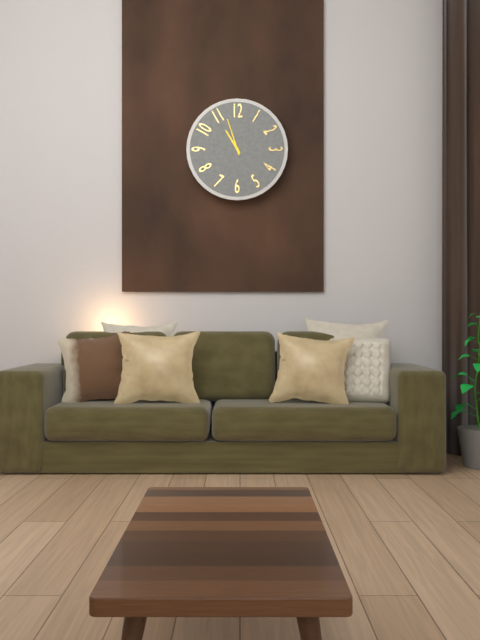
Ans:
**10:57**
